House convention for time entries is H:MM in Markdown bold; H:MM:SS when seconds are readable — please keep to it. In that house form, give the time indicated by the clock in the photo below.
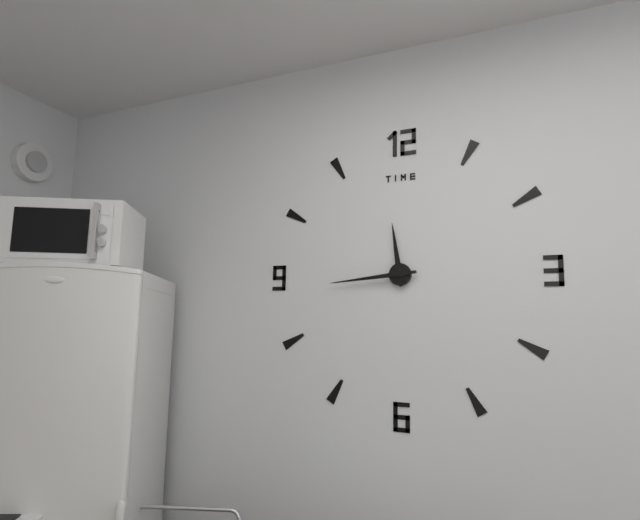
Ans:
**11:44**
